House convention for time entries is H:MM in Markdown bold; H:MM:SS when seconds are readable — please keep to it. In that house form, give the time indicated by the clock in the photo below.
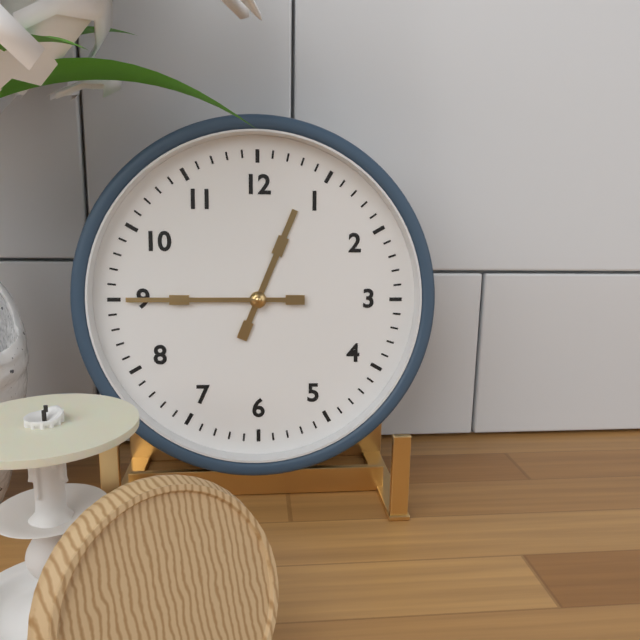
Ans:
**12:45**
